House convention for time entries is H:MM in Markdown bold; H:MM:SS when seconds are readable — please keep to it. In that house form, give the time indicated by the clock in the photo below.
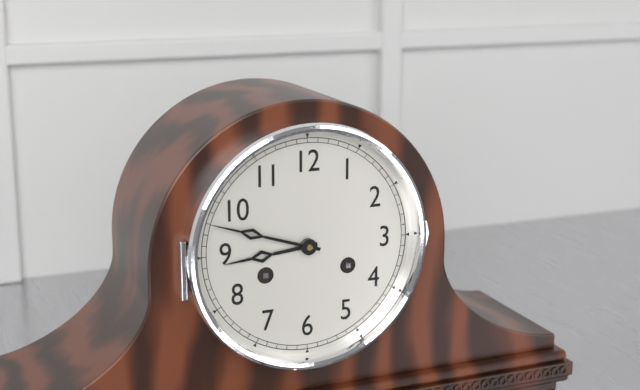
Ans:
**8:48**
